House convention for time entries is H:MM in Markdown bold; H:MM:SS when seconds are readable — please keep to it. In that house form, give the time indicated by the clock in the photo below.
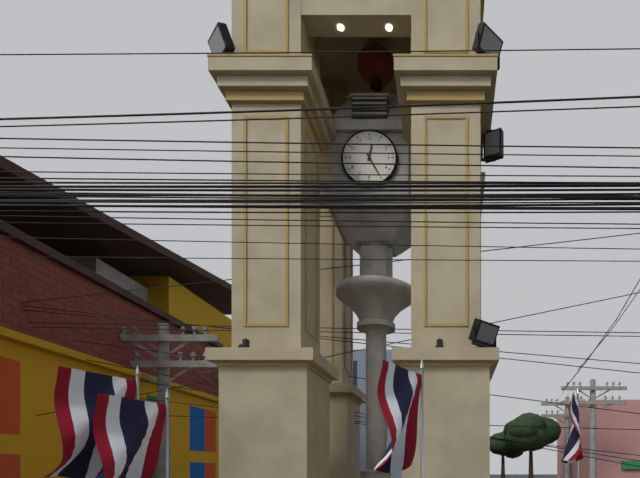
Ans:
**12:25**
